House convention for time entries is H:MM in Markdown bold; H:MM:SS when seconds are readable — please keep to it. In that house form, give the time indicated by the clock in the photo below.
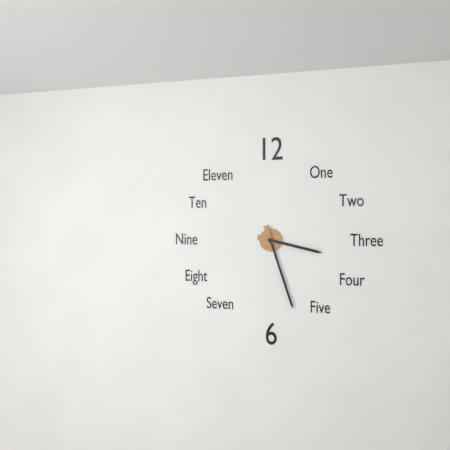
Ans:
**3:27**
